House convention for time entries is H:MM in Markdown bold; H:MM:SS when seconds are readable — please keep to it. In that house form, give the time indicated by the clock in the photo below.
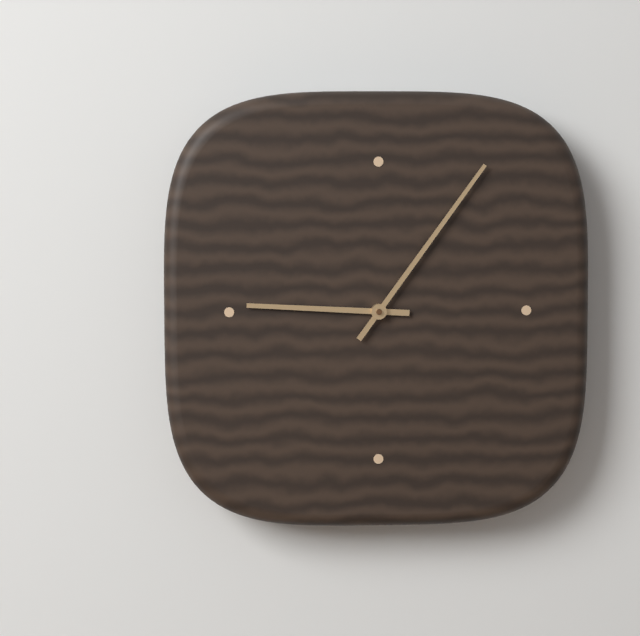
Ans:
**9:06**
